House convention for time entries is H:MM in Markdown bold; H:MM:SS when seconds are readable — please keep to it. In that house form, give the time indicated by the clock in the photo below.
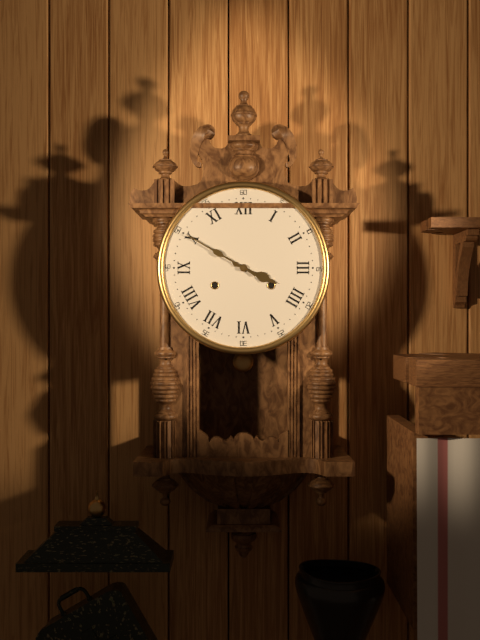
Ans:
**3:50**
